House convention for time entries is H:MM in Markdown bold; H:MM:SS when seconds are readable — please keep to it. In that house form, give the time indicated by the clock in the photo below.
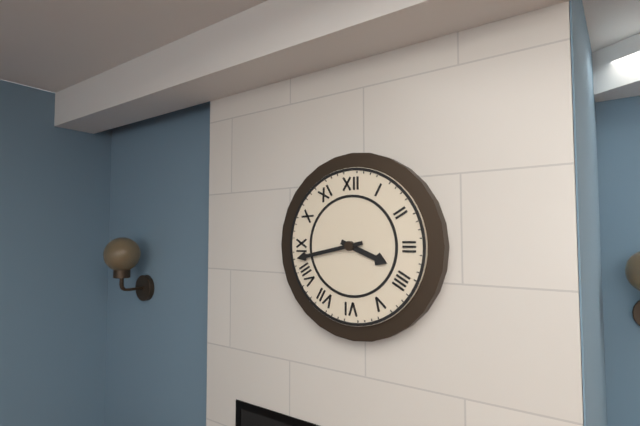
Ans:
**3:43**
